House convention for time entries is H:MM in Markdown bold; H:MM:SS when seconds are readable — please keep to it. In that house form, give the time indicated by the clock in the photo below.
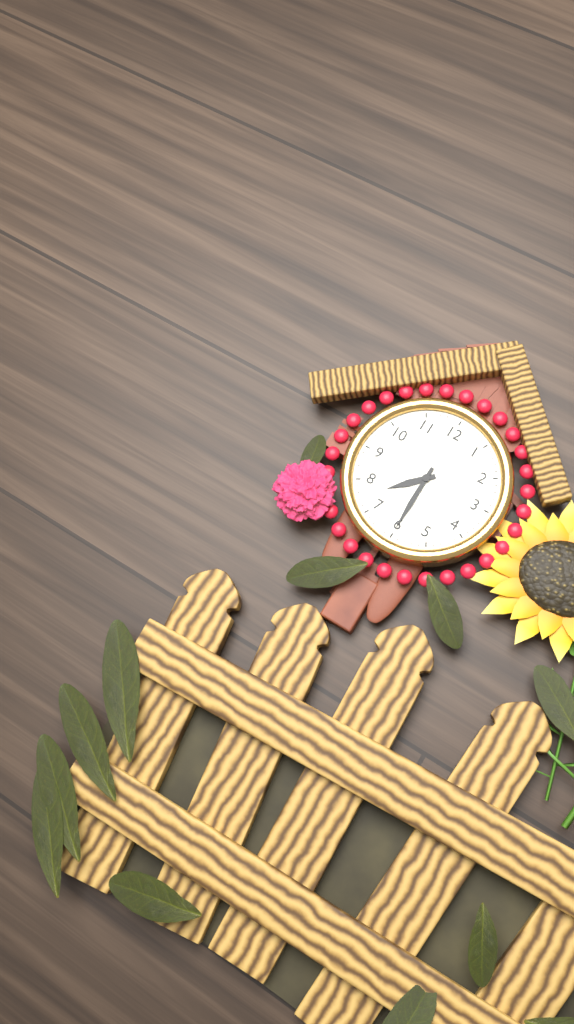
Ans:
**7:30**
